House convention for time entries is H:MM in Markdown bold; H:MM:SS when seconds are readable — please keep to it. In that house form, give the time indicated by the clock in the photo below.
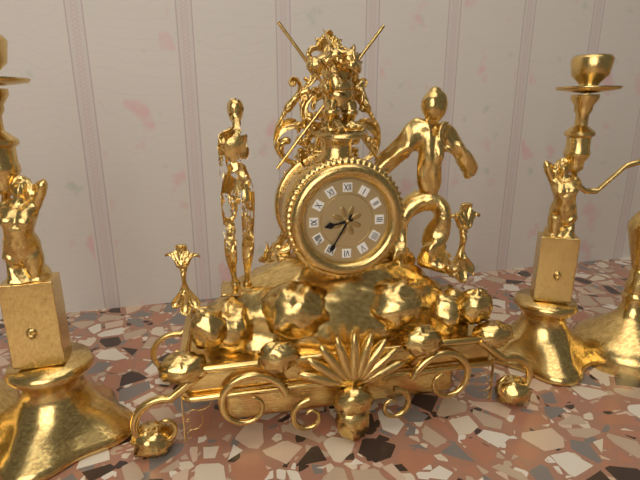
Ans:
**8:35**
